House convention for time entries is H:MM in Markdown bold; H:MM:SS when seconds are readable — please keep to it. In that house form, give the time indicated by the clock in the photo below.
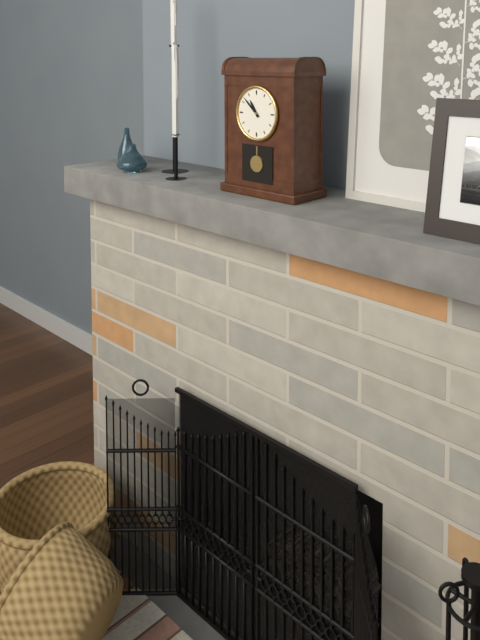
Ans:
**10:52**
